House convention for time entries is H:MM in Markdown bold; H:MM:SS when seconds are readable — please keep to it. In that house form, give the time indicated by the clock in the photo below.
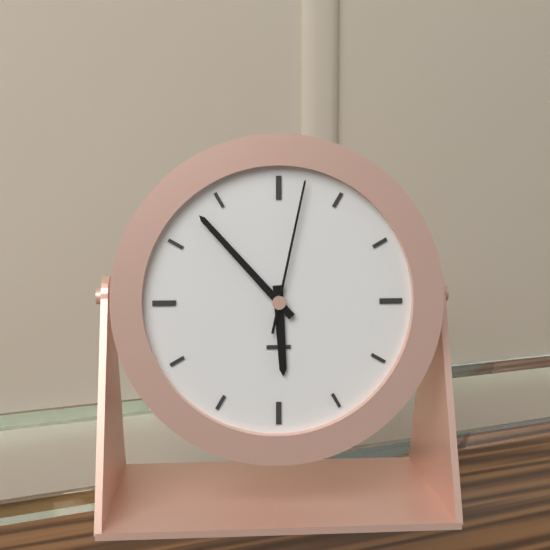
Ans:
**5:53:02**
